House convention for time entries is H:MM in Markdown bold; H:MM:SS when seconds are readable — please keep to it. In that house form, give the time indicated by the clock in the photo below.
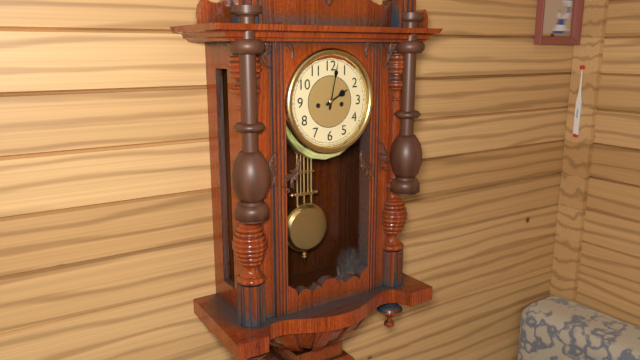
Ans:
**2:02**
